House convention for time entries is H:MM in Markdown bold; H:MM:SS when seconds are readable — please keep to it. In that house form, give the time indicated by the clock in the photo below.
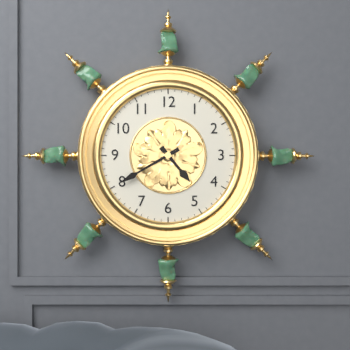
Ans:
**4:40**
